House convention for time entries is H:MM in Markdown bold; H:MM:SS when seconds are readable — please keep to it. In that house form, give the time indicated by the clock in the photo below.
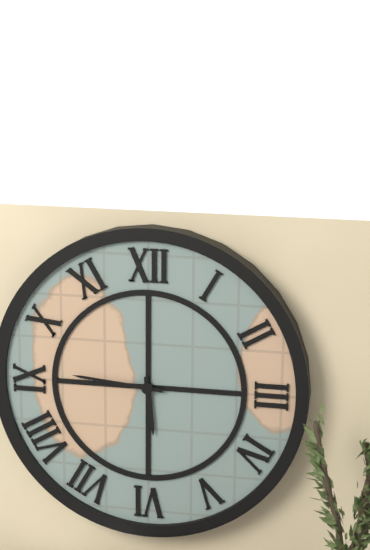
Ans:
**5:46**
